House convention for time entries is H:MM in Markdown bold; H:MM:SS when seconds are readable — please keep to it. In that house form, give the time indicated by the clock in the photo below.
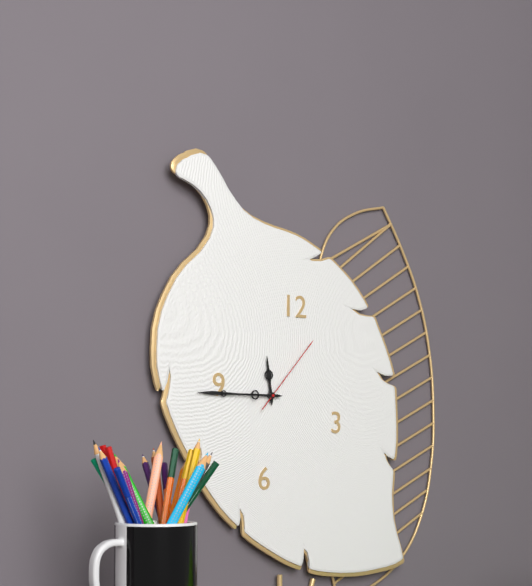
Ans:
**11:45:07**
